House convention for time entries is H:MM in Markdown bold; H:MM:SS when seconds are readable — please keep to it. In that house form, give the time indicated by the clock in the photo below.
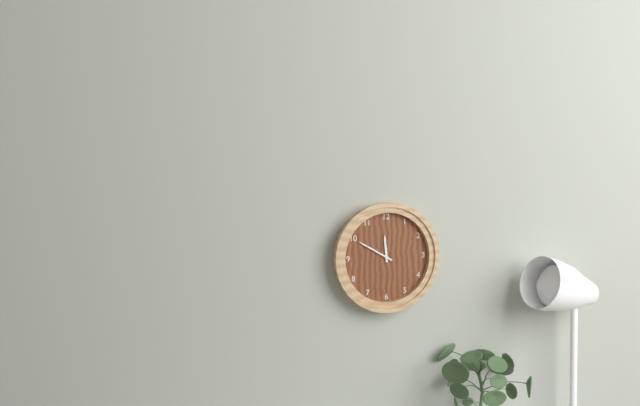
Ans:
**11:50**
